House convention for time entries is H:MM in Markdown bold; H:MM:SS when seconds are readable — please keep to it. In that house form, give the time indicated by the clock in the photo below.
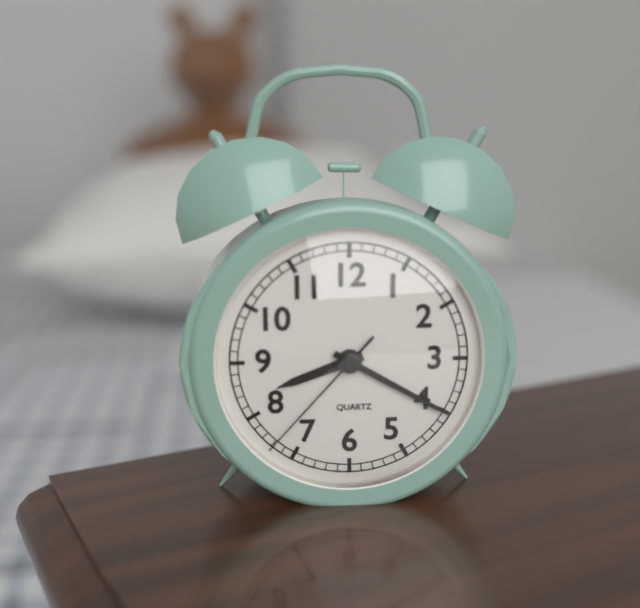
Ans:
**8:20:37**
